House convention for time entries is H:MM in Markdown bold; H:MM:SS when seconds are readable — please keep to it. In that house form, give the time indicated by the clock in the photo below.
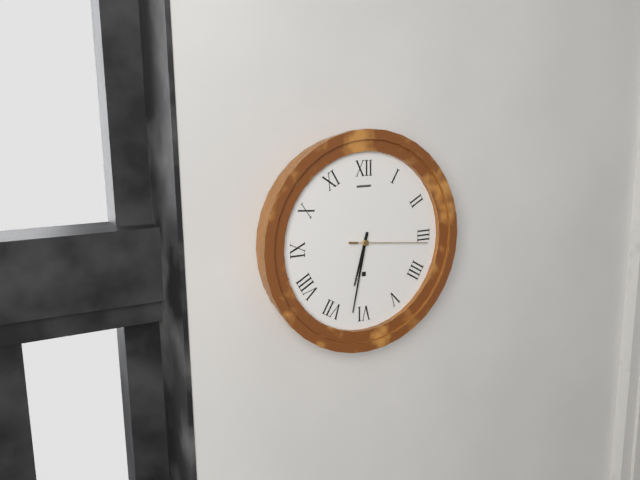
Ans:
**6:32:16**
